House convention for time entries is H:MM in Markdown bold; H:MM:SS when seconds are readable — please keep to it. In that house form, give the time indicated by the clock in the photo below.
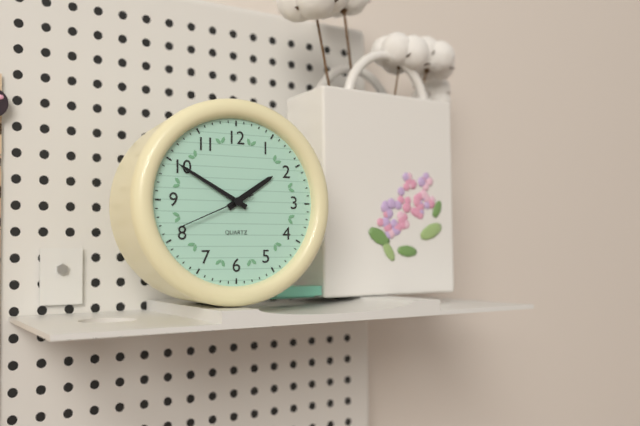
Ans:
**1:50:41**
